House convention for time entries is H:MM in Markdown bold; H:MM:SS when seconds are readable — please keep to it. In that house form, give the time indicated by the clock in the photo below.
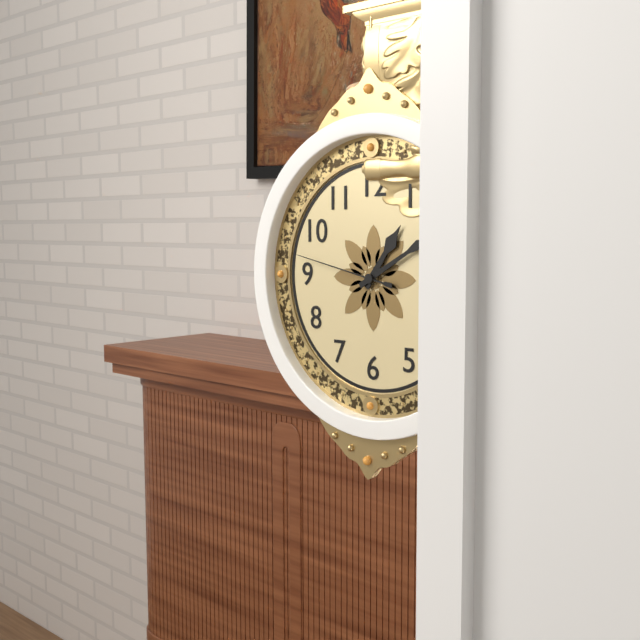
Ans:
**1:10:47**
